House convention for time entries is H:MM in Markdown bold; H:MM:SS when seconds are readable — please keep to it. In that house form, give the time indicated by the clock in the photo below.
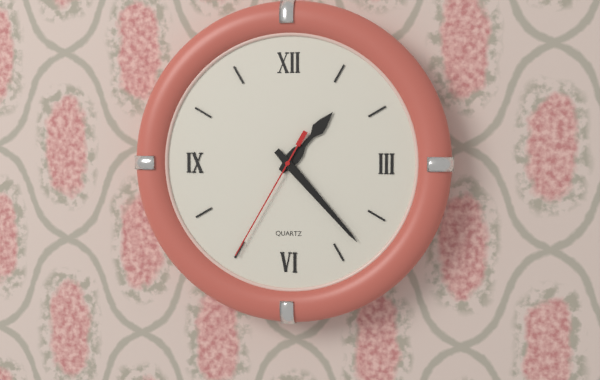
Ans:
**1:23:35**
